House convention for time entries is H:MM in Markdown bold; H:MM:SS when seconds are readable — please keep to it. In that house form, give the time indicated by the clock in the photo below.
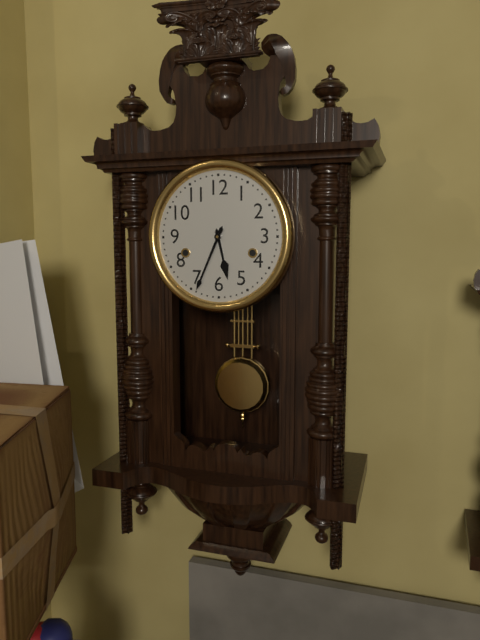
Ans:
**5:34**
